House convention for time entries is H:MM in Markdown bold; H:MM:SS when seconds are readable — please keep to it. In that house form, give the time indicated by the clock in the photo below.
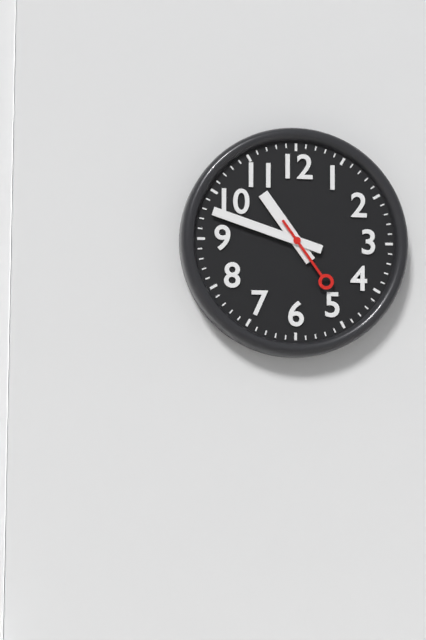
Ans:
**10:48:24**
